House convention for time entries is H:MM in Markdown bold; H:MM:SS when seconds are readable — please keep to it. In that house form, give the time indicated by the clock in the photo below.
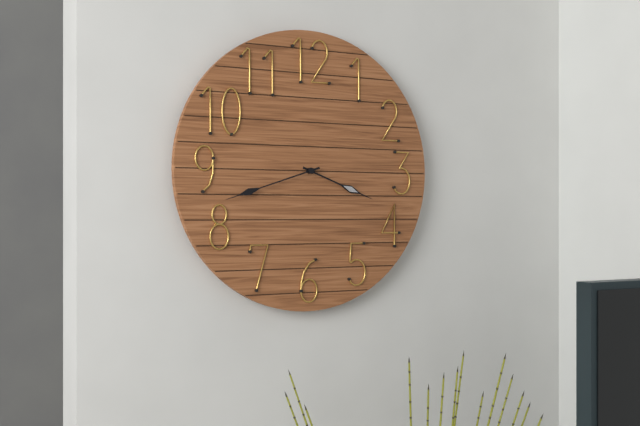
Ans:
**3:42**
